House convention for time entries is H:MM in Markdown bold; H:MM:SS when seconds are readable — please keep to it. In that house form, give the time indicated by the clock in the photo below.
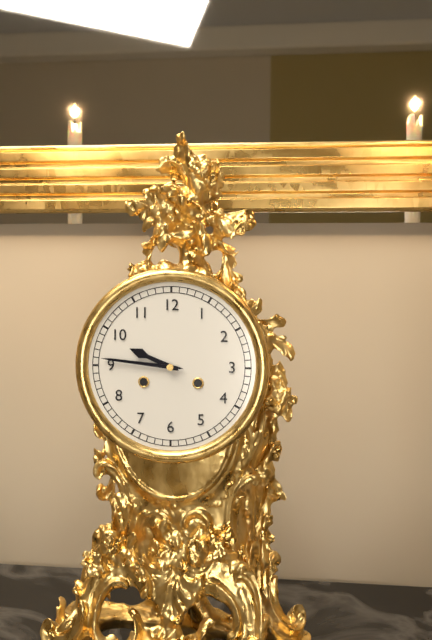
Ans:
**9:46**
